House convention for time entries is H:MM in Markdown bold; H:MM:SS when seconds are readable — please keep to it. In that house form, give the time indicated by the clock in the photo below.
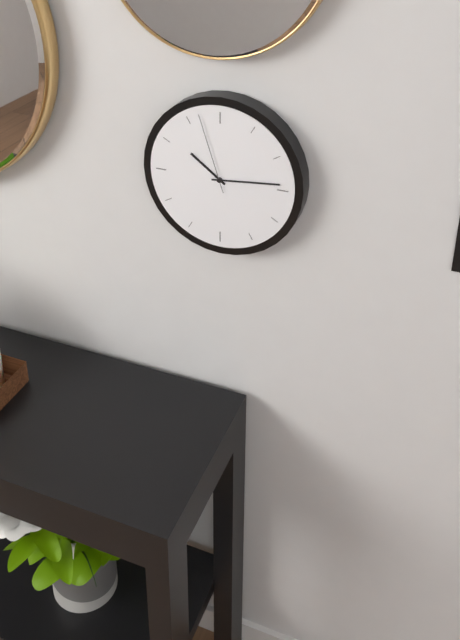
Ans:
**10:14:57**
